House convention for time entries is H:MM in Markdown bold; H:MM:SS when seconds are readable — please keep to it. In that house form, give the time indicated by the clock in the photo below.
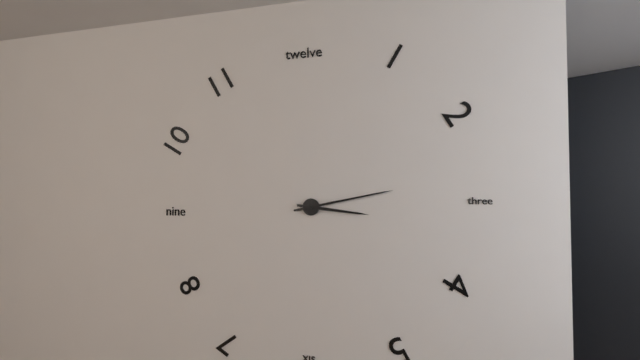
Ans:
**3:13**
